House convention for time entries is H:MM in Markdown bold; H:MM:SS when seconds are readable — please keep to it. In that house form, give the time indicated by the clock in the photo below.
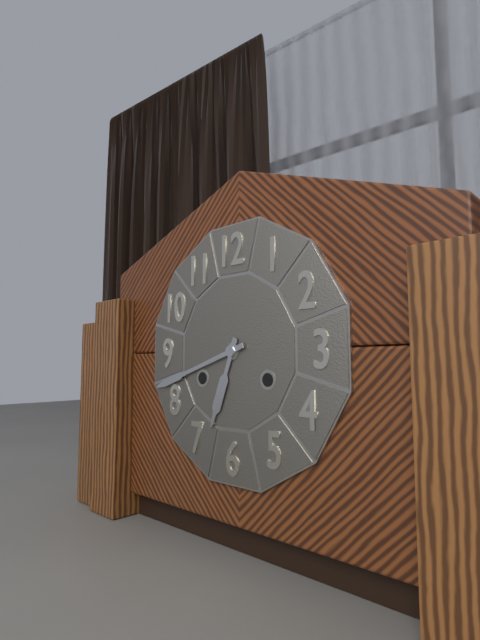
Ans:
**6:42**
